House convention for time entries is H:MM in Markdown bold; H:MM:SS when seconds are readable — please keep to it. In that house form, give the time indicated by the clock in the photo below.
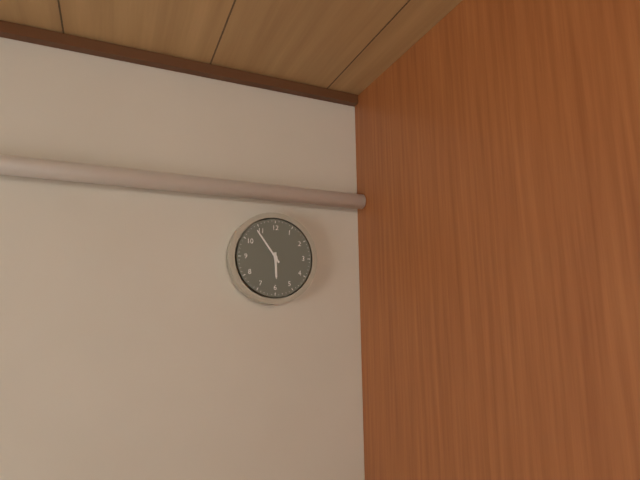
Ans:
**5:54**
